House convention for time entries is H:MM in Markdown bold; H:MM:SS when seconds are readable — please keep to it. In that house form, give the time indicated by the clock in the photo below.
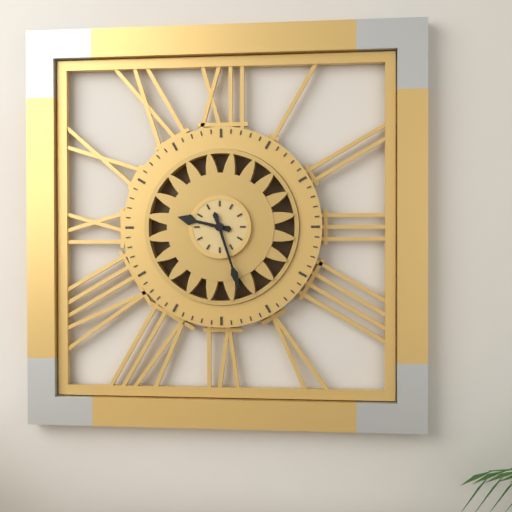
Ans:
**9:27**
